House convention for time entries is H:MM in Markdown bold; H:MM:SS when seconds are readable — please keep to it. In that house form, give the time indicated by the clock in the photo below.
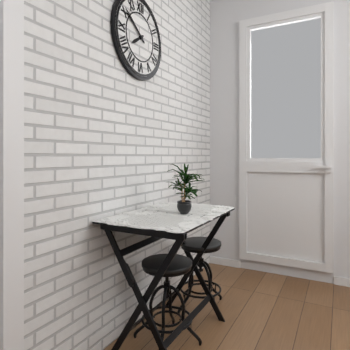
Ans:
**7:51**
